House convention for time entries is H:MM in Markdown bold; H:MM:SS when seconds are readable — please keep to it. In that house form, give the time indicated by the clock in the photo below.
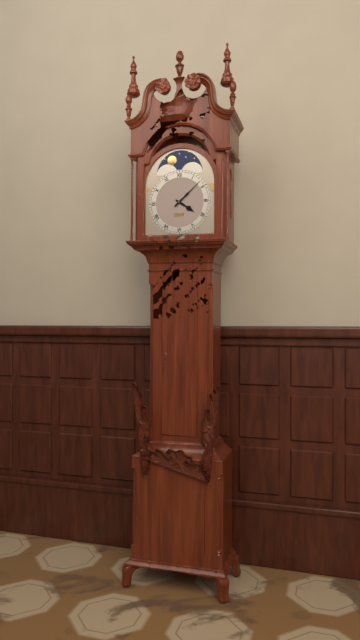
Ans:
**4:08**
